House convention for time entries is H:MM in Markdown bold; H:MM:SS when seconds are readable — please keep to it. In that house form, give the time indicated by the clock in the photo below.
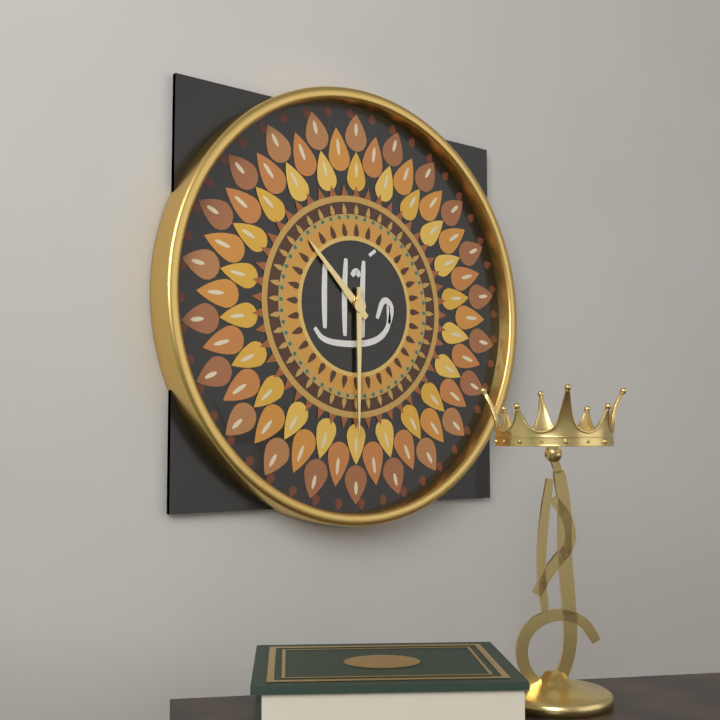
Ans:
**10:30**
